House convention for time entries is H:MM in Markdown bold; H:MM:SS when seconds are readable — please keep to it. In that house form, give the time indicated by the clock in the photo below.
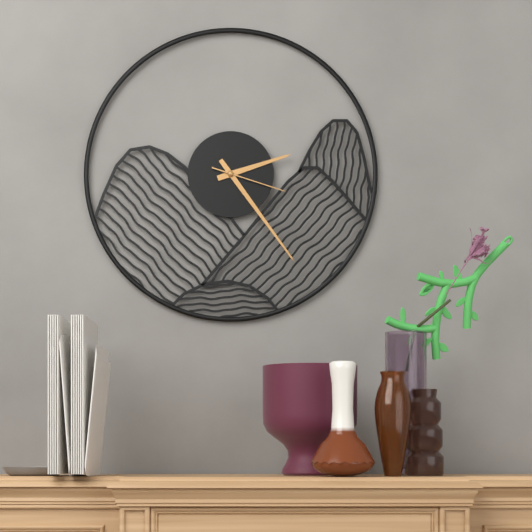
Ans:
**2:24:18**
